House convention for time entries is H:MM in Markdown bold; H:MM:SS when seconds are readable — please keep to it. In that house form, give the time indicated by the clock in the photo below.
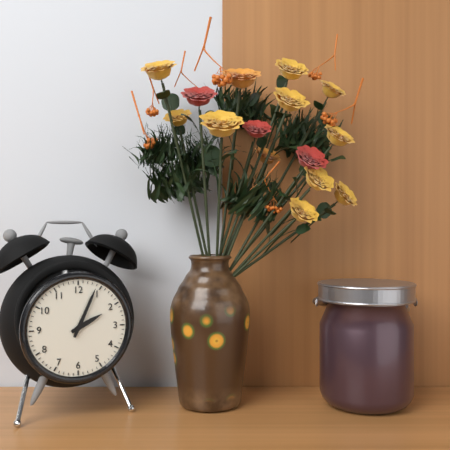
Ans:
**2:04**
